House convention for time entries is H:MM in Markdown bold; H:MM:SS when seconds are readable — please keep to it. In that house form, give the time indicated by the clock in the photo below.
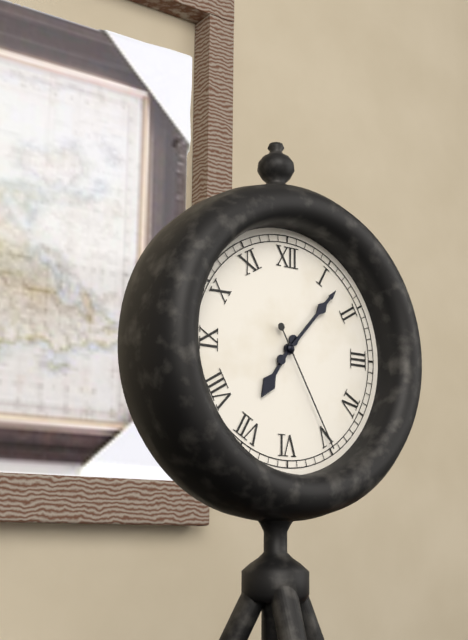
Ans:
**7:07:25**
